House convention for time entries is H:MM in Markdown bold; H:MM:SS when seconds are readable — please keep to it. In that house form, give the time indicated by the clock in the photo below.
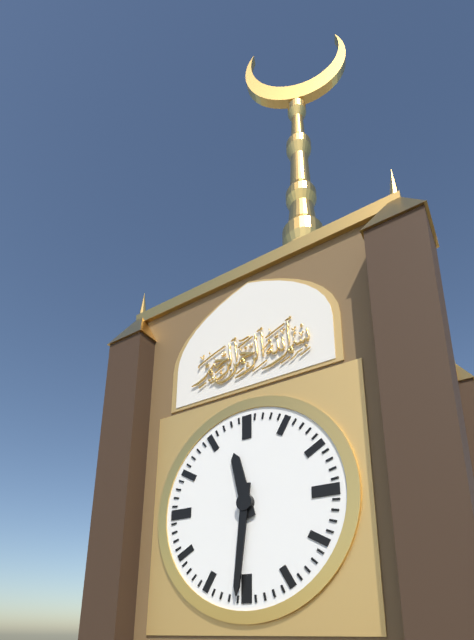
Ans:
**11:31**
